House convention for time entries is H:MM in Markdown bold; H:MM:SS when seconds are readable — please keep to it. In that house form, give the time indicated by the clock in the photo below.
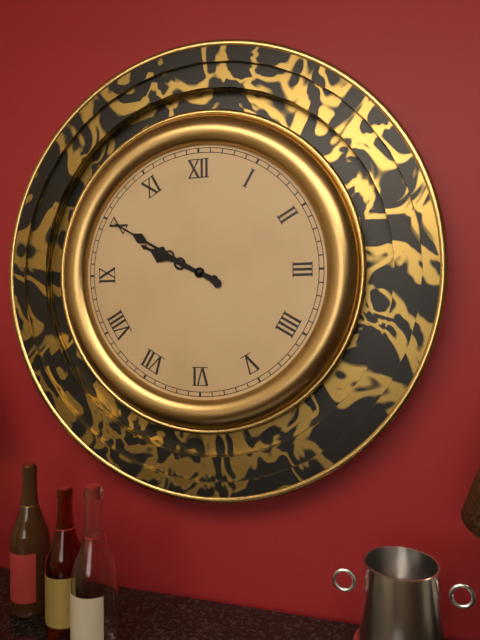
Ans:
**9:50**
